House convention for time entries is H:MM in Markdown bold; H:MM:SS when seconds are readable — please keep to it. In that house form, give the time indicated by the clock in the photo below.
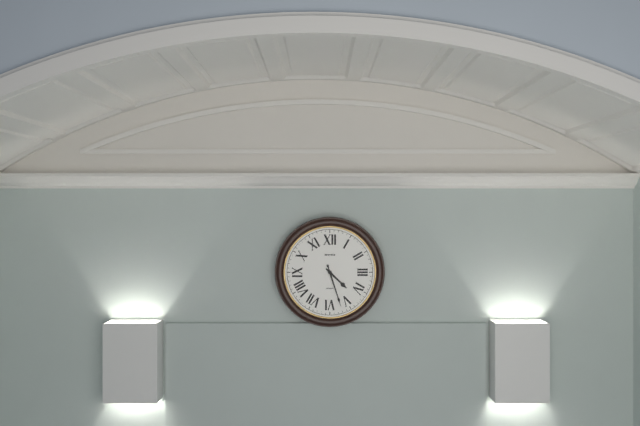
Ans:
**4:27**
